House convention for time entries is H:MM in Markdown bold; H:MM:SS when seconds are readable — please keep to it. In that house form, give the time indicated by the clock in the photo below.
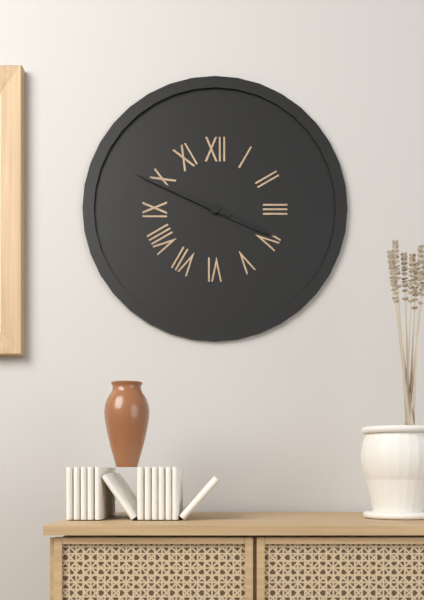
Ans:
**3:49**
